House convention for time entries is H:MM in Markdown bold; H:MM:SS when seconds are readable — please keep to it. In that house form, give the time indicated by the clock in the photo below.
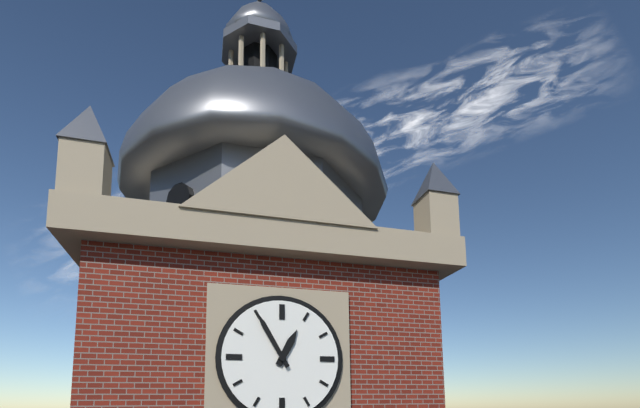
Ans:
**12:55**
